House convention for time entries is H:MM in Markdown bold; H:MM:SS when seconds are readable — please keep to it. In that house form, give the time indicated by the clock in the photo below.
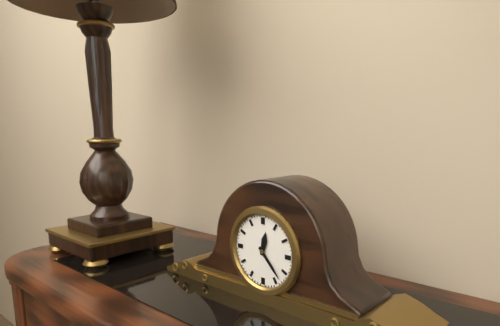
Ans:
**12:23**
